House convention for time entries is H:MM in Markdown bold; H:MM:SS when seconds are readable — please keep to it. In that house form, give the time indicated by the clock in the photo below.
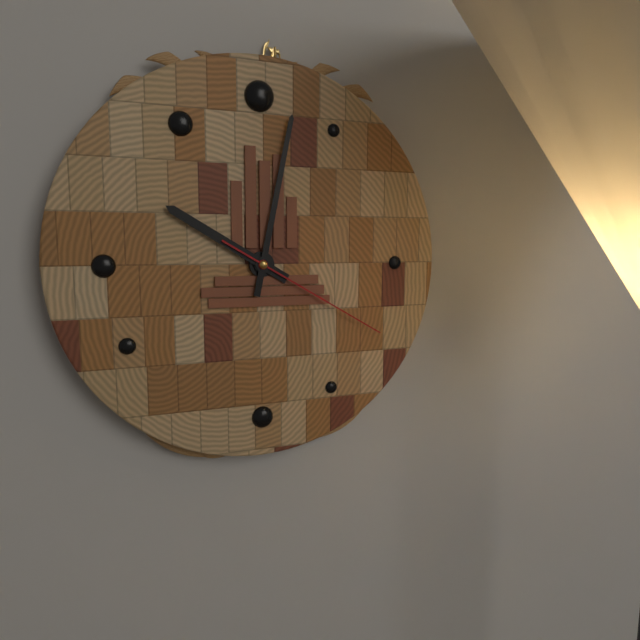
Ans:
**10:02:20**
